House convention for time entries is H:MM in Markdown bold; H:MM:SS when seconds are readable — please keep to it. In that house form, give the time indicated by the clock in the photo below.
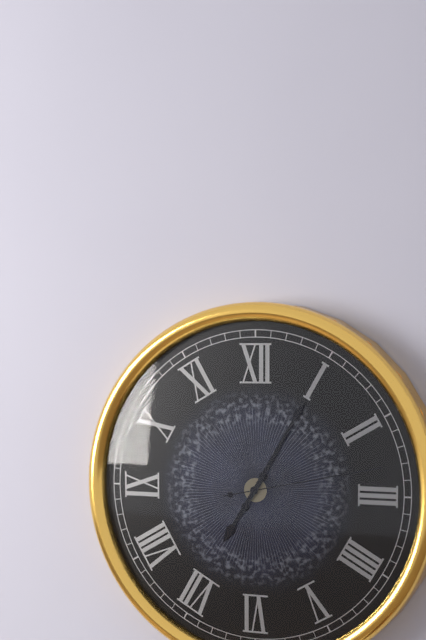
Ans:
**7:05:13**
